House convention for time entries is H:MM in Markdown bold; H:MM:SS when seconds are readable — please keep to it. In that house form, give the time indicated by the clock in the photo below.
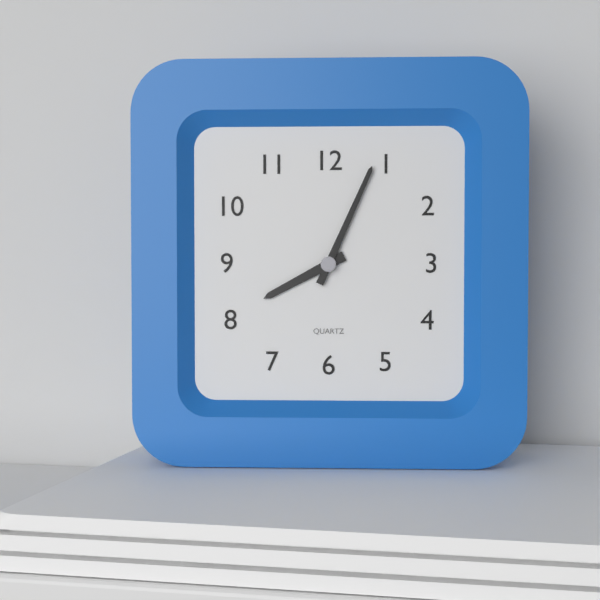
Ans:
**8:04**
